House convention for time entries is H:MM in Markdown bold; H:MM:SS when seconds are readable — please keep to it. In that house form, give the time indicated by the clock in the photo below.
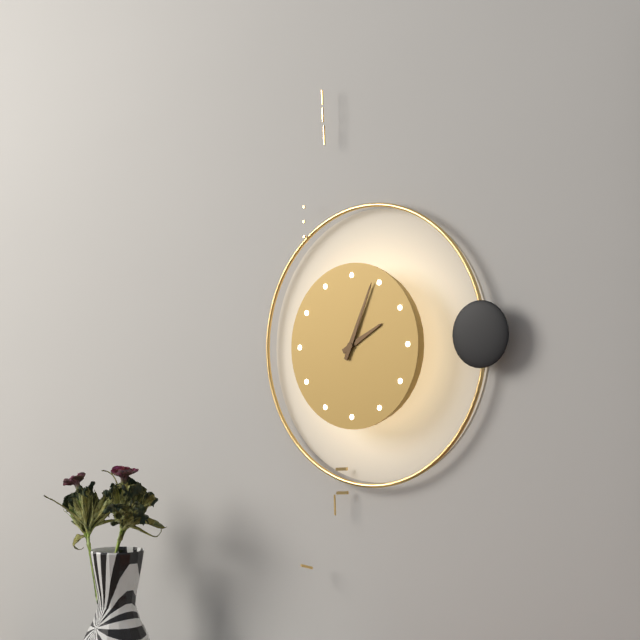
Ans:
**2:04**
